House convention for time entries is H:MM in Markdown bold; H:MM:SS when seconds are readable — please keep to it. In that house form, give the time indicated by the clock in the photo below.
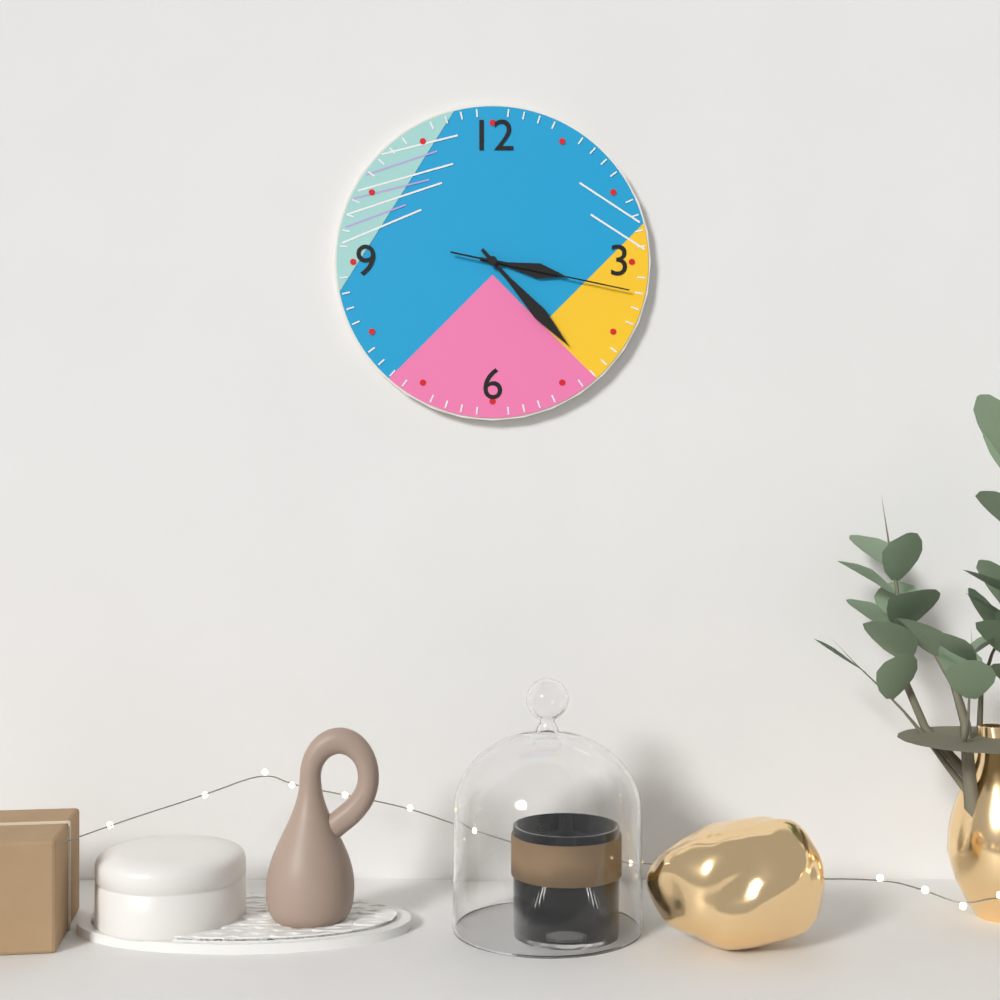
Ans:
**3:23:17**
